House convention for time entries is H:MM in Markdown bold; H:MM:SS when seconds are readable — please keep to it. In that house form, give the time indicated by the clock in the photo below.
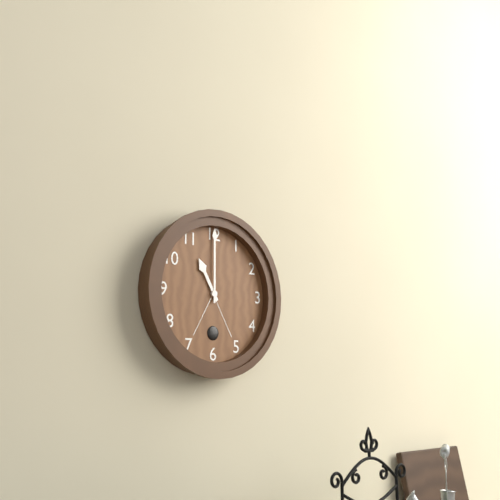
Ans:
**11:00**
